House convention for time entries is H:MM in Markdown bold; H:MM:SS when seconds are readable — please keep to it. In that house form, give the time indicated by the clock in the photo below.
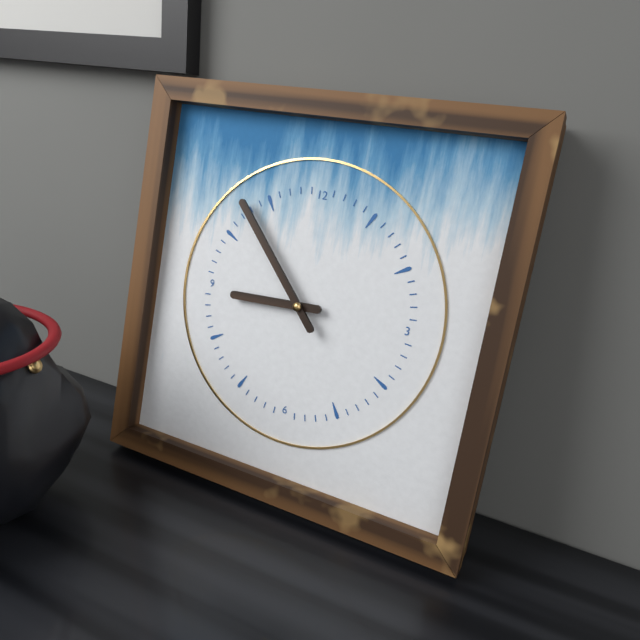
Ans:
**8:53**
